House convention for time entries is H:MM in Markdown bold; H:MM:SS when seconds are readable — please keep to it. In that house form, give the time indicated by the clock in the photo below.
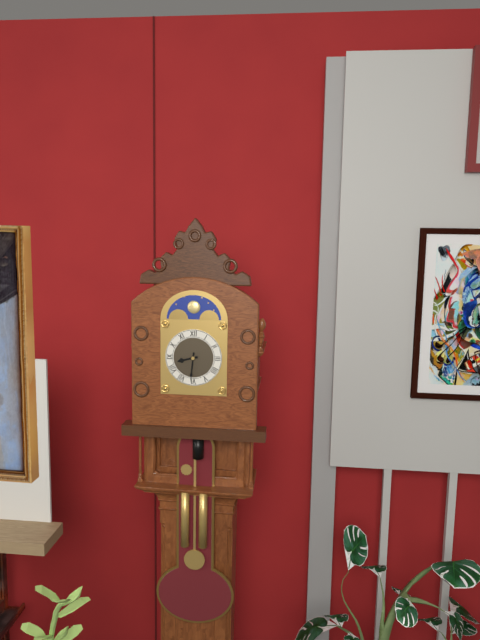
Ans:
**8:31**
